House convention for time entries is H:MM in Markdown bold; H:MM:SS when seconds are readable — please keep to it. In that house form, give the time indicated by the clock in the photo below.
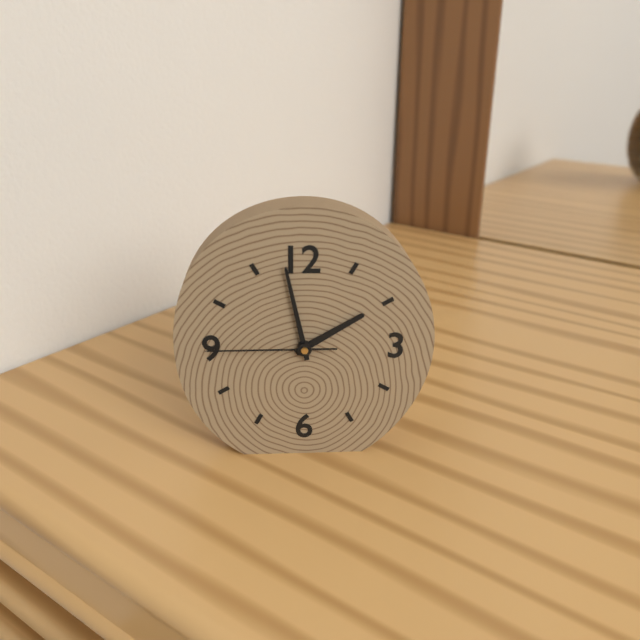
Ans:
**1:58:45**
